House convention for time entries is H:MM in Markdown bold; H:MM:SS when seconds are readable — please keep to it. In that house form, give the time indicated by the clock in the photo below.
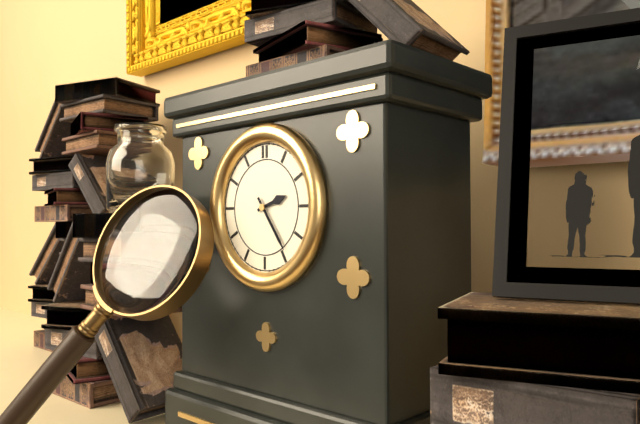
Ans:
**2:24**
